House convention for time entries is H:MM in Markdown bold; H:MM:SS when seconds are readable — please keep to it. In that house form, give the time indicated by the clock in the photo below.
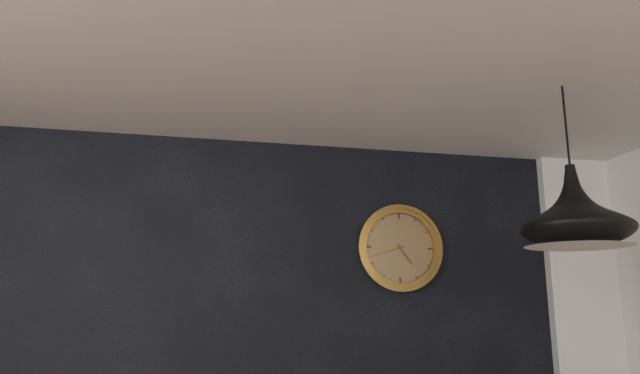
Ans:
**4:42**
